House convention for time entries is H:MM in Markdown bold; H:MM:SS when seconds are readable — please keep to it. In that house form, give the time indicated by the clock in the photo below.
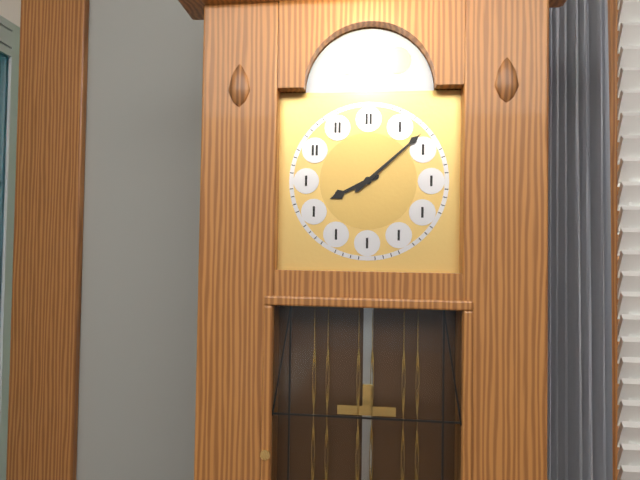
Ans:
**8:08**
